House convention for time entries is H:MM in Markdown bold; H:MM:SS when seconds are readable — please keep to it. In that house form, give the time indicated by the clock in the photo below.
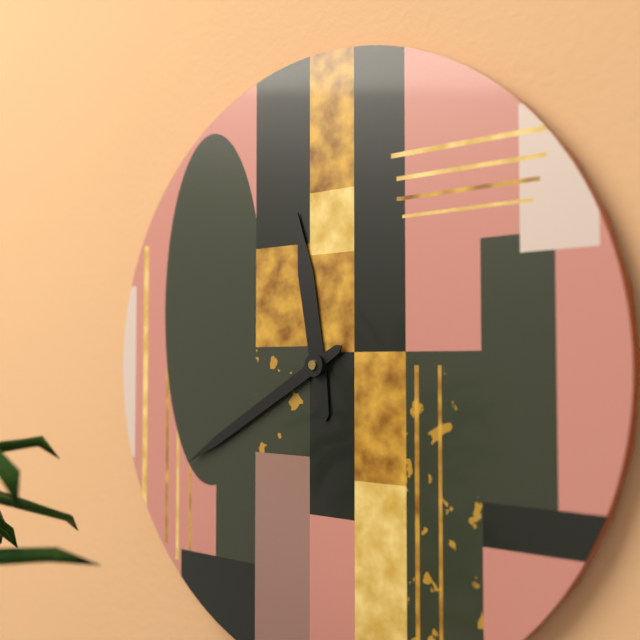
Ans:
**11:40**
